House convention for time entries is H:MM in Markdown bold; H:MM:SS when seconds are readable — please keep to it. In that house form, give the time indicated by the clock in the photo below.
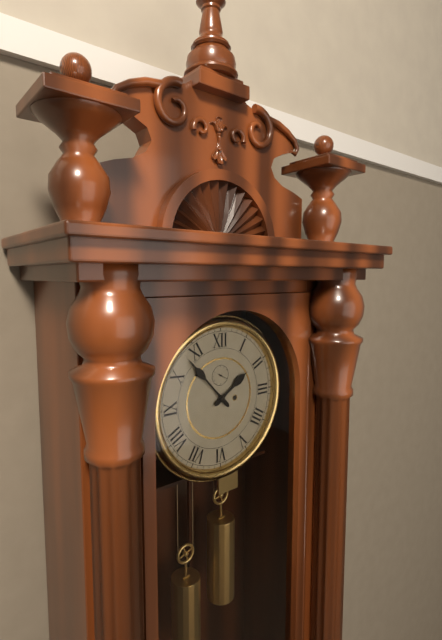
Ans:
**1:53**
